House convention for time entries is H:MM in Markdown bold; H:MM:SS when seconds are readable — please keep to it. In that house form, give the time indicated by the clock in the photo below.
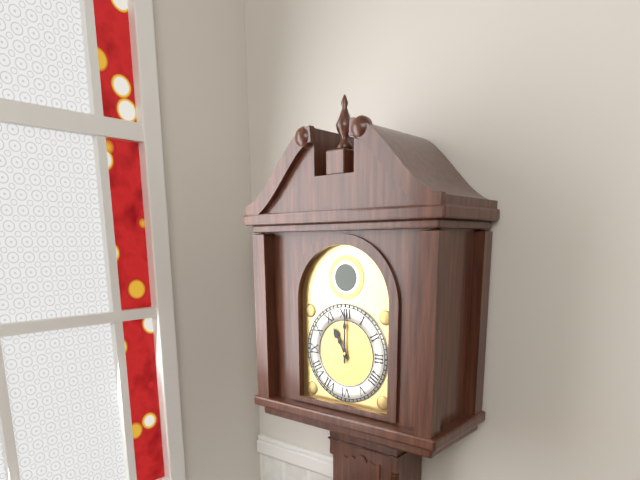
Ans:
**11:00**
